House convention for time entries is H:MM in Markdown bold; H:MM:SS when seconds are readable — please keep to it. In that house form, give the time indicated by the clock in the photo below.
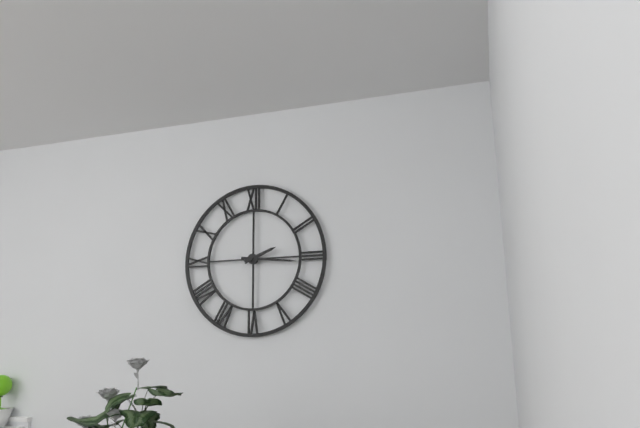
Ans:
**2:16**
